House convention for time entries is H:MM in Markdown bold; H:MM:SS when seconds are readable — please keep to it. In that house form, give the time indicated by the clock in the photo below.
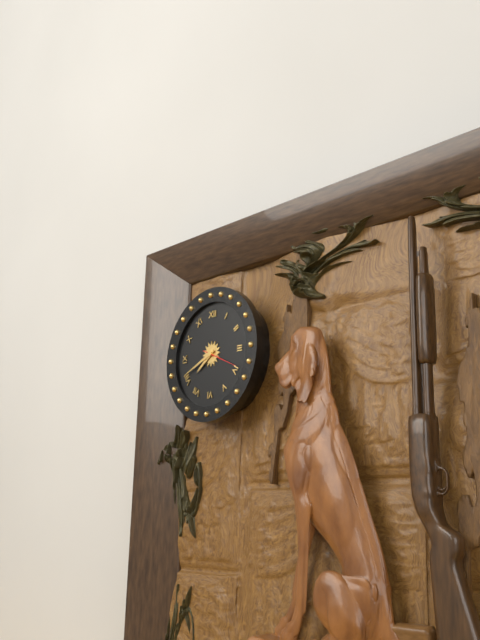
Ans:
**7:41**
